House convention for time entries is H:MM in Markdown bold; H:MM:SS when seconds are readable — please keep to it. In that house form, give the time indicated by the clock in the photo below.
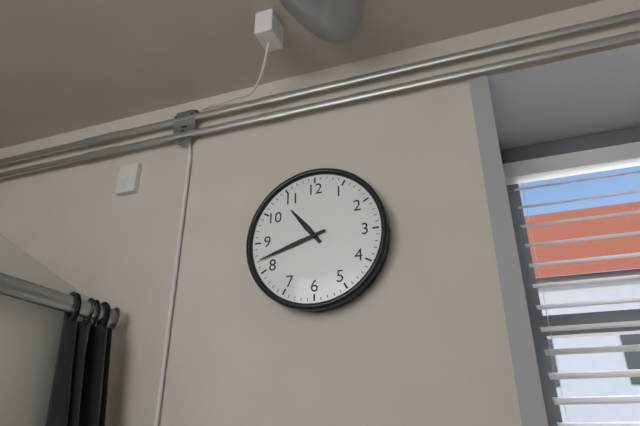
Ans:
**10:42**
